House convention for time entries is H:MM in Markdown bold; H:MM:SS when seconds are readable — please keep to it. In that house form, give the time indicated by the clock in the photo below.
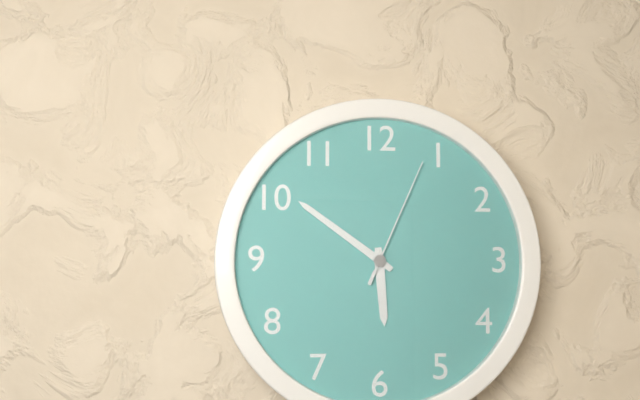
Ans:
**5:51:04**
